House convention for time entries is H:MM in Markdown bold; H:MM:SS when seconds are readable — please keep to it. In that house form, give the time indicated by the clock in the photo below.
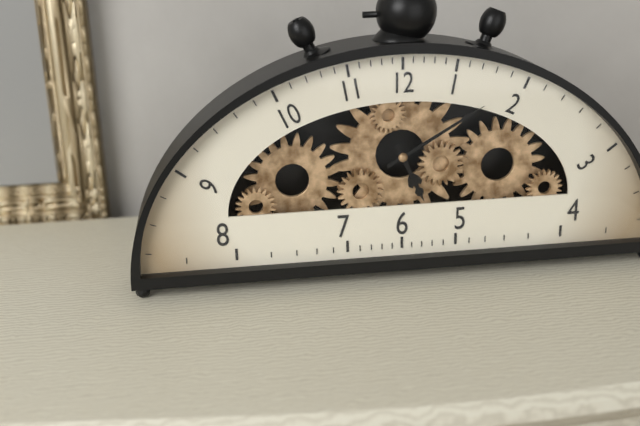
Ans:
**5:10**
